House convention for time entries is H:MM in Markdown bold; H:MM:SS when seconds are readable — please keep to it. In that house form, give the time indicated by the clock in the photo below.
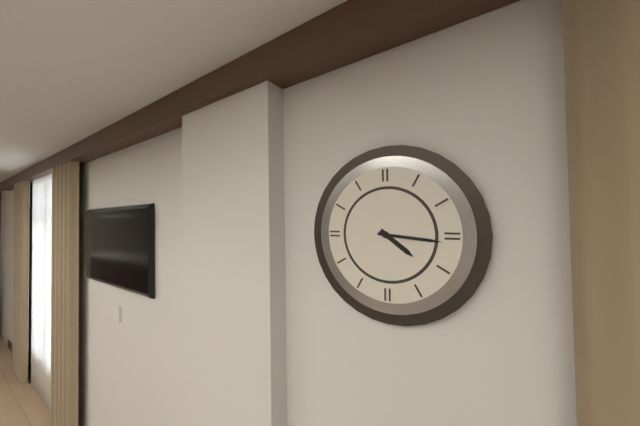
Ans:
**4:16**
